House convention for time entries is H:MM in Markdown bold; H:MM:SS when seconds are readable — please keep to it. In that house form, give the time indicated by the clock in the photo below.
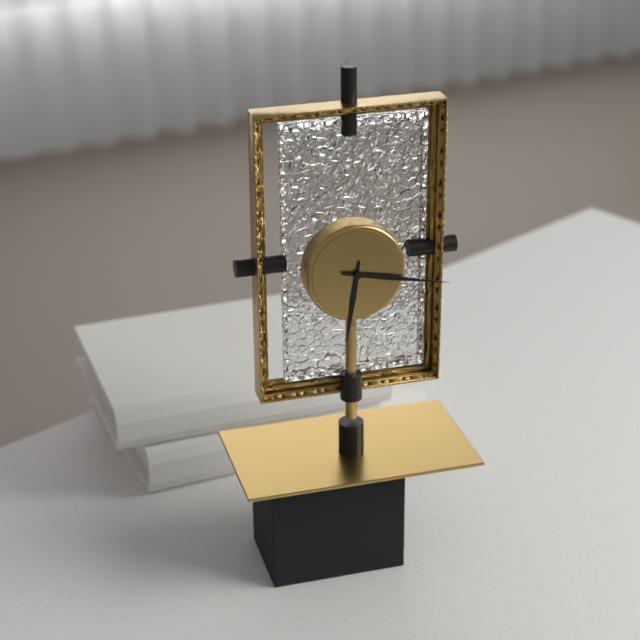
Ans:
**6:17**
